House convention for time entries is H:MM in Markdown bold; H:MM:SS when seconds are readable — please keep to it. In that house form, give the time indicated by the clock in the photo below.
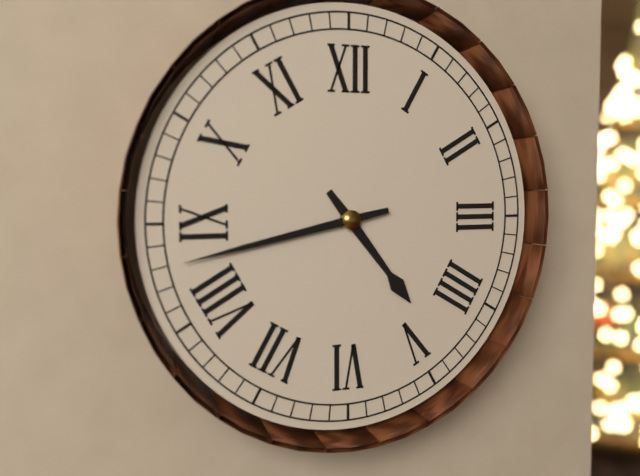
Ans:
**4:43**
